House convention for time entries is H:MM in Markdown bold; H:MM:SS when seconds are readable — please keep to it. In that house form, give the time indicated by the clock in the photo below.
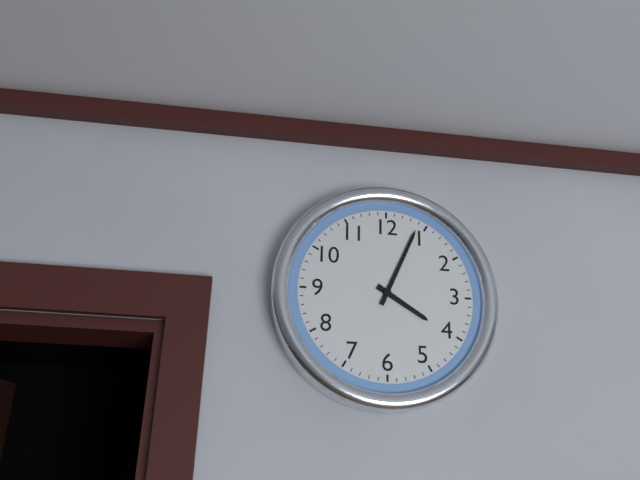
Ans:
**4:04**
